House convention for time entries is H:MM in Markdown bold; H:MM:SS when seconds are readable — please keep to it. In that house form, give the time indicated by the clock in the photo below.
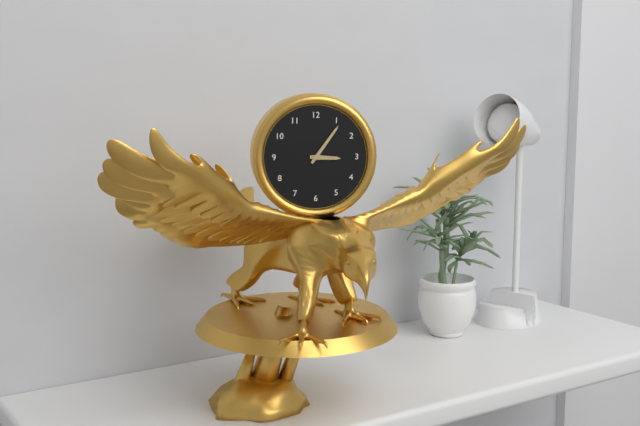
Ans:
**3:06**
